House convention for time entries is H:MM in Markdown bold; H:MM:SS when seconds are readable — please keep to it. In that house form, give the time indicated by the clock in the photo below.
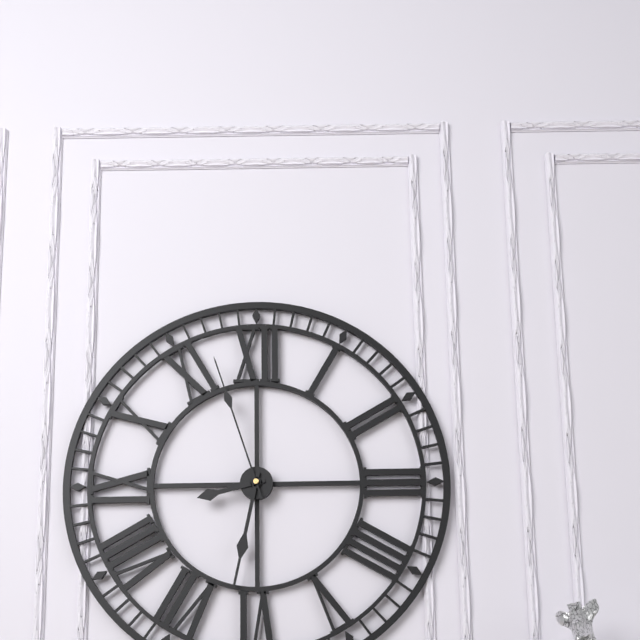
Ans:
**8:32:57**
